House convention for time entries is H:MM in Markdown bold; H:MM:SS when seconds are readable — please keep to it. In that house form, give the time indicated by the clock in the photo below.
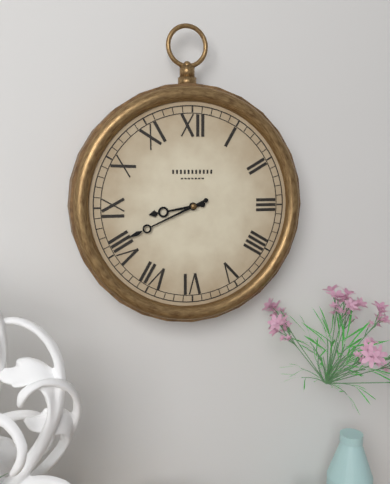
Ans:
**8:41**
